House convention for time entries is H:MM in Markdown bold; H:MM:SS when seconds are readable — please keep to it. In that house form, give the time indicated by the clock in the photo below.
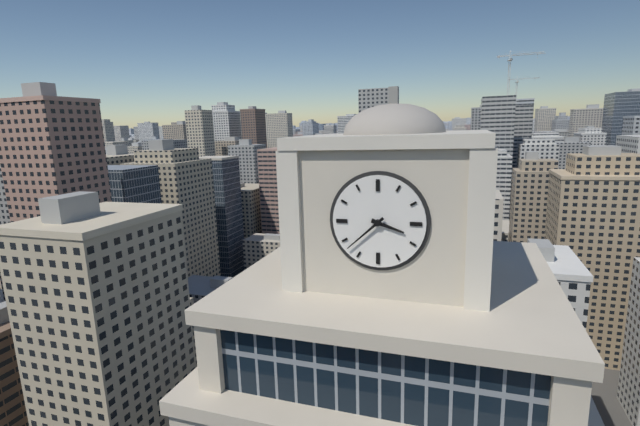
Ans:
**3:38**
